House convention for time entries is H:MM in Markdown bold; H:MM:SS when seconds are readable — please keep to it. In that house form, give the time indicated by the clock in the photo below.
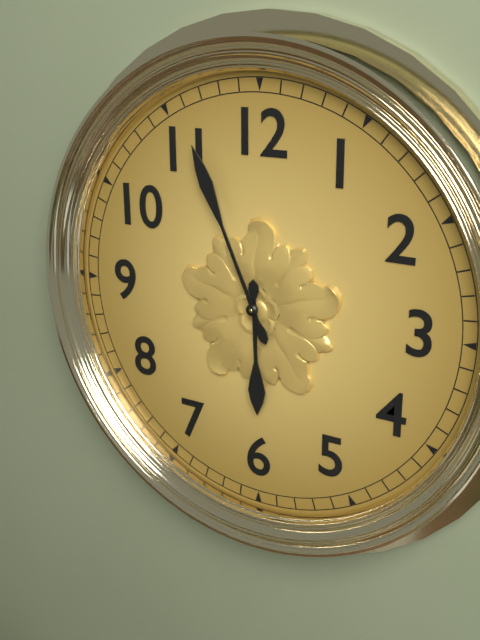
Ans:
**5:56**
